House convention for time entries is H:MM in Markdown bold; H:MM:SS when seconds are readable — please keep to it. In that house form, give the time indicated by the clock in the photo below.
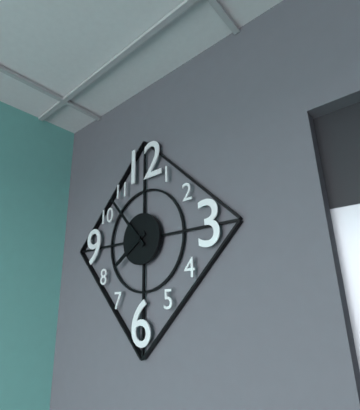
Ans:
**7:53**
